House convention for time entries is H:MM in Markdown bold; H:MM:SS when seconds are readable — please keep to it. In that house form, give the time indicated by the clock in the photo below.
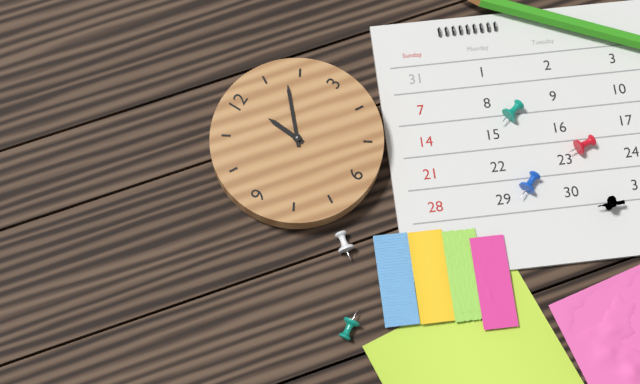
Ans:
**12:08**
